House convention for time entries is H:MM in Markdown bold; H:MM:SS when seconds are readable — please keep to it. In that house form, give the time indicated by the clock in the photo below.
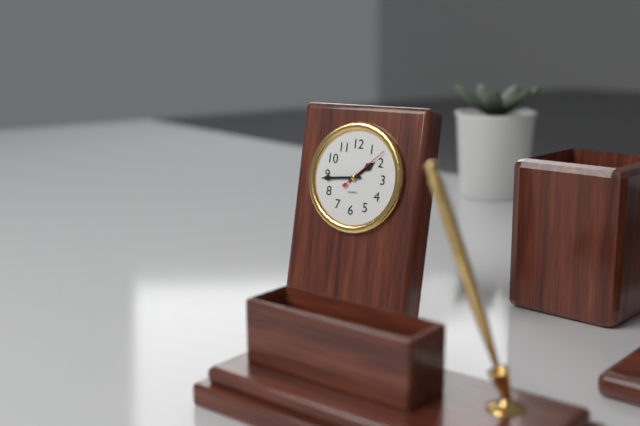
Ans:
**1:44**
